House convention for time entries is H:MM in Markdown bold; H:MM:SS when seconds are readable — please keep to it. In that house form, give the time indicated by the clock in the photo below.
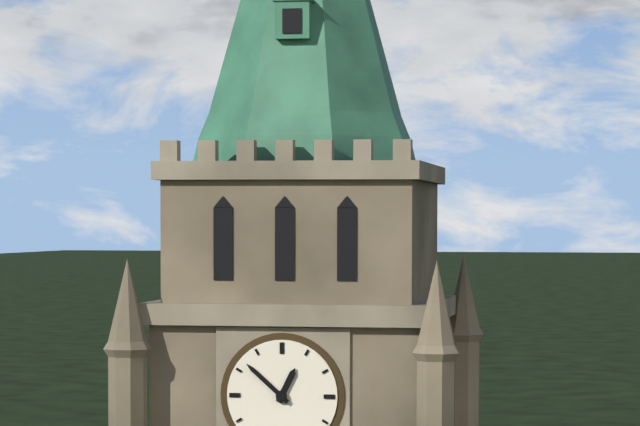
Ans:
**12:52**
